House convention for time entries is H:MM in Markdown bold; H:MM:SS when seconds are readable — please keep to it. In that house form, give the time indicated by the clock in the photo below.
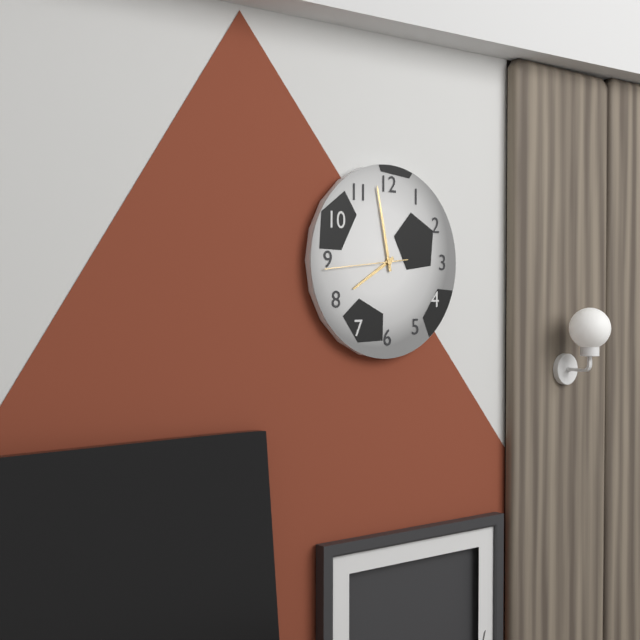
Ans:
**7:58:44**
